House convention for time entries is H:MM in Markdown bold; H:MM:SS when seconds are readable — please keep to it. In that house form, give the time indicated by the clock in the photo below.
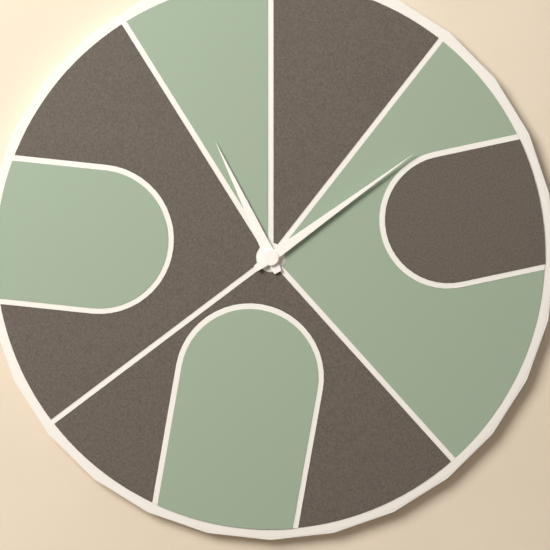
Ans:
**11:09**
